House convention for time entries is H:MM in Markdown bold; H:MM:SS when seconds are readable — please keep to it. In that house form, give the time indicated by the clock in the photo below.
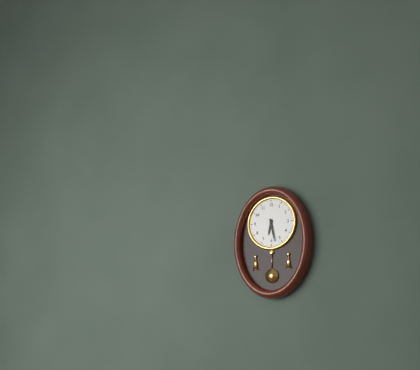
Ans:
**6:28**
